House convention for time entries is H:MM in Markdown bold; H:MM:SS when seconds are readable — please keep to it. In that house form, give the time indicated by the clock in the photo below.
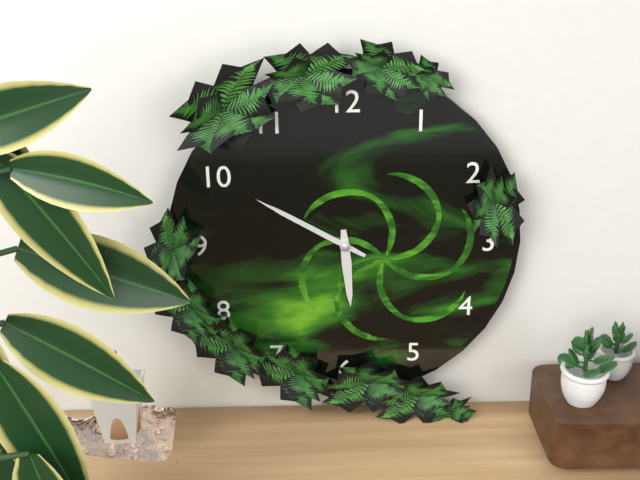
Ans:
**5:50**
